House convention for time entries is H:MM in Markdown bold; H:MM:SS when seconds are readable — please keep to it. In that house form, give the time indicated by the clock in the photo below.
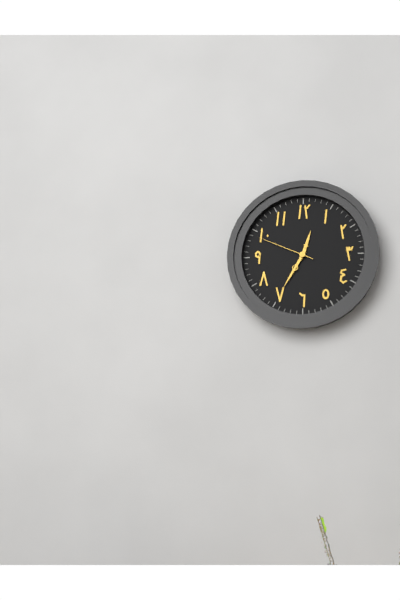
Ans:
**12:35:49**
